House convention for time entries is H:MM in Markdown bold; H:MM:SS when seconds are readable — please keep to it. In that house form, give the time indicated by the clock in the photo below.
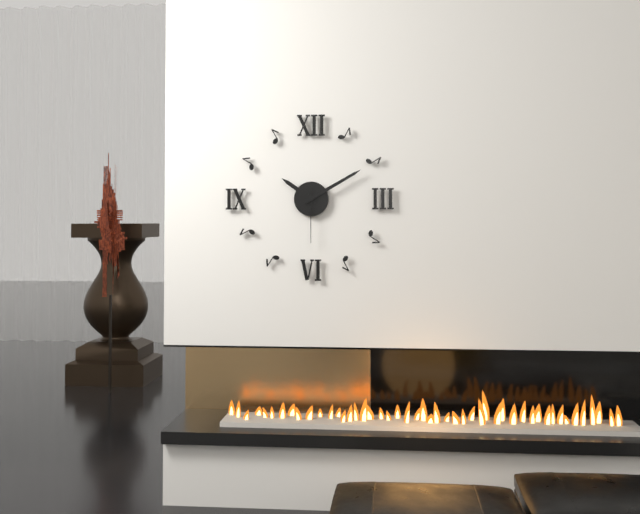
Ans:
**10:10:30**
